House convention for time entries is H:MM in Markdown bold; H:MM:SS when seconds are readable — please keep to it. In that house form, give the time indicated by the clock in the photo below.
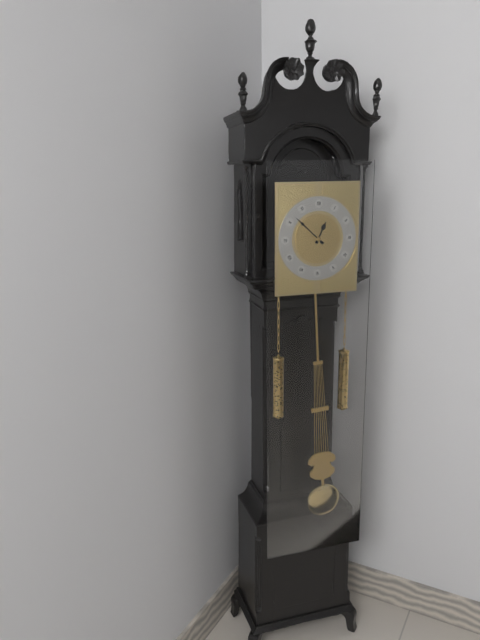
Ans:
**12:52**
